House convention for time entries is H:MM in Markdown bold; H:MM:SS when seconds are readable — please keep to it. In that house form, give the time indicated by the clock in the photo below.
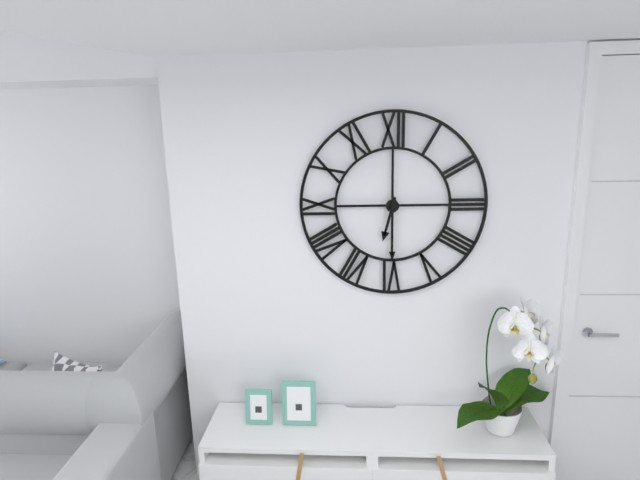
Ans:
**6:30**
